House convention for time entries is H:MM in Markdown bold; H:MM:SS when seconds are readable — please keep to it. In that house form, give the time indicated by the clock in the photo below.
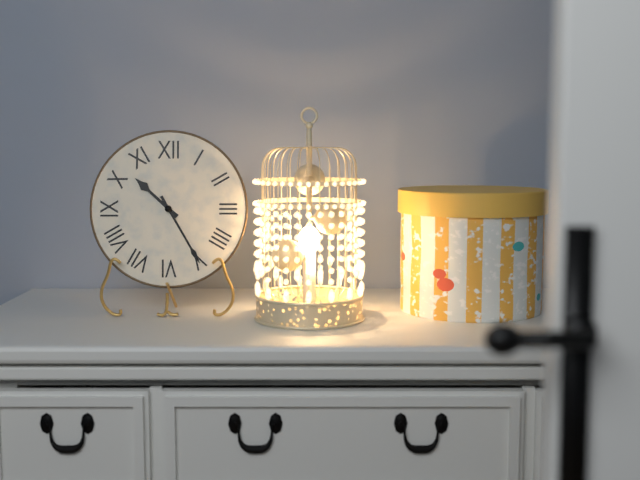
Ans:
**10:25**
